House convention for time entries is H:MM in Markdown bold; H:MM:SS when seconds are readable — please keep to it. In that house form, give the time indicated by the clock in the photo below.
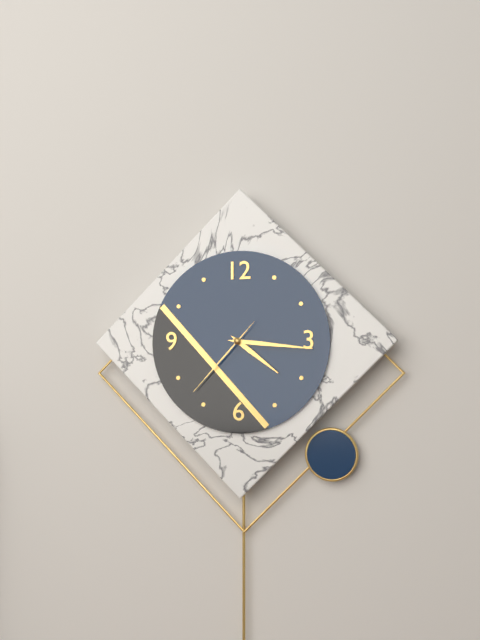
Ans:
**4:16:37**
